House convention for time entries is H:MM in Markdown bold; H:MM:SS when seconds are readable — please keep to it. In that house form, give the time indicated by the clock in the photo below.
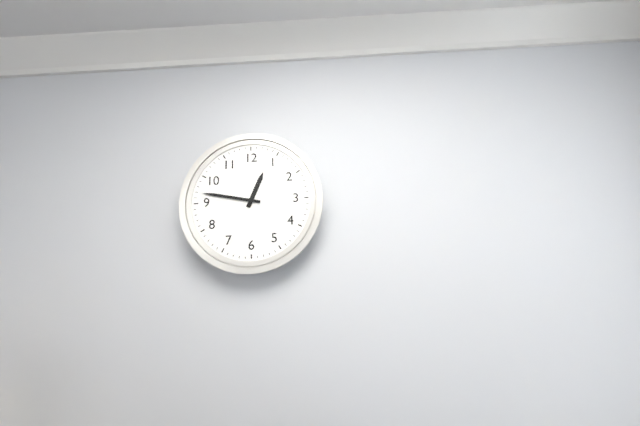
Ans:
**12:47**
